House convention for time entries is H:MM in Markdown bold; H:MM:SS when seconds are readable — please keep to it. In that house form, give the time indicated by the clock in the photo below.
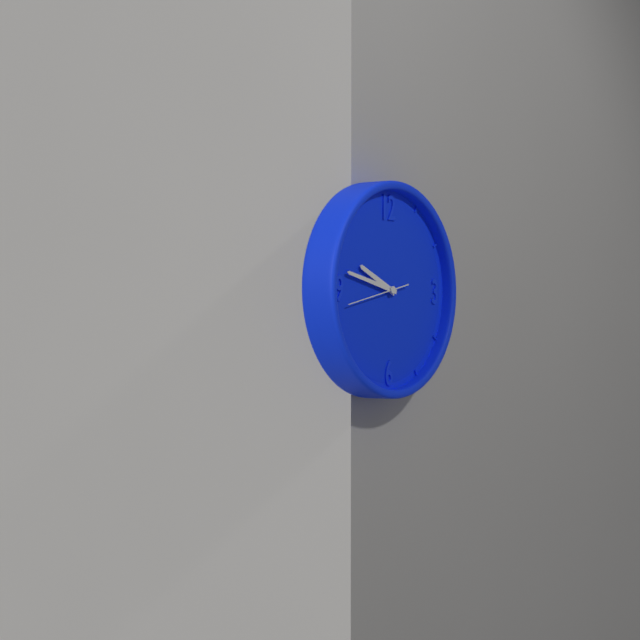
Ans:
**9:47:43**
